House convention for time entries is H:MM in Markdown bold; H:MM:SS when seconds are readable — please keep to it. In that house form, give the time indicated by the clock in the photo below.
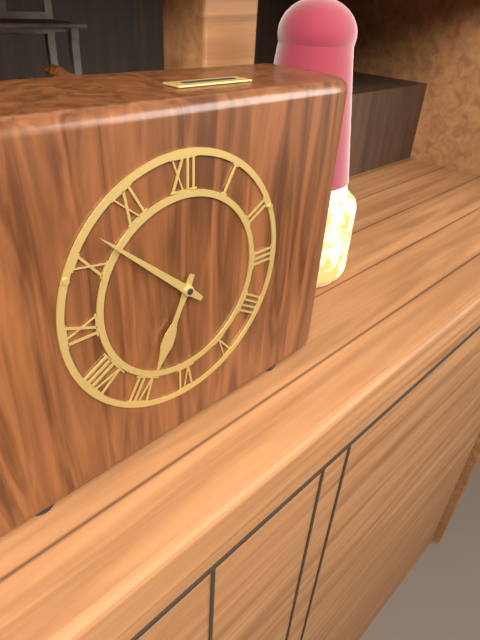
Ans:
**6:52**
